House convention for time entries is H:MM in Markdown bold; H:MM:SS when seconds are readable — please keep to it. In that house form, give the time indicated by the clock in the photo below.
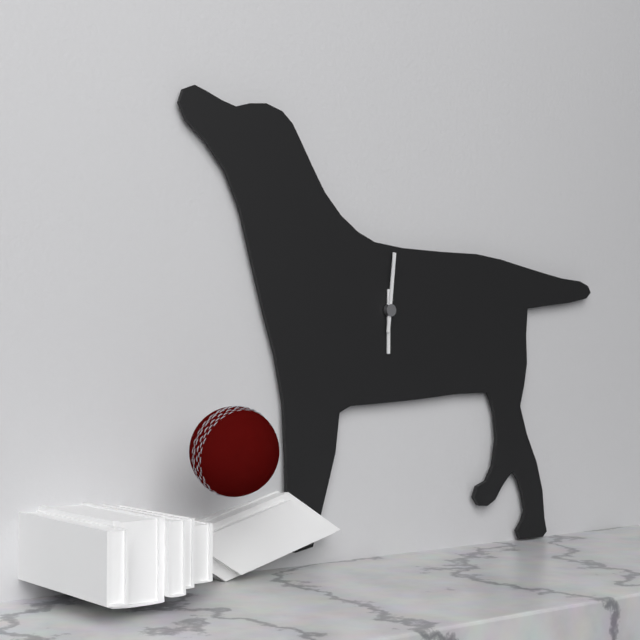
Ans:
**6:01**
